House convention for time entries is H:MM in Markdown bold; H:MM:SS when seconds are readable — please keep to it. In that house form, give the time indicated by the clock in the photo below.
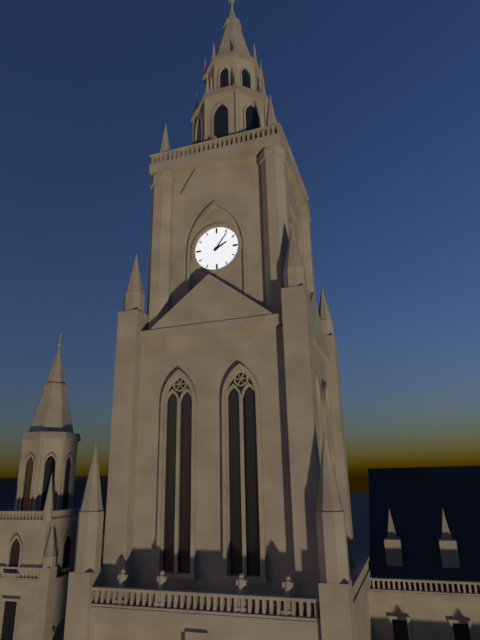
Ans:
**2:06**
